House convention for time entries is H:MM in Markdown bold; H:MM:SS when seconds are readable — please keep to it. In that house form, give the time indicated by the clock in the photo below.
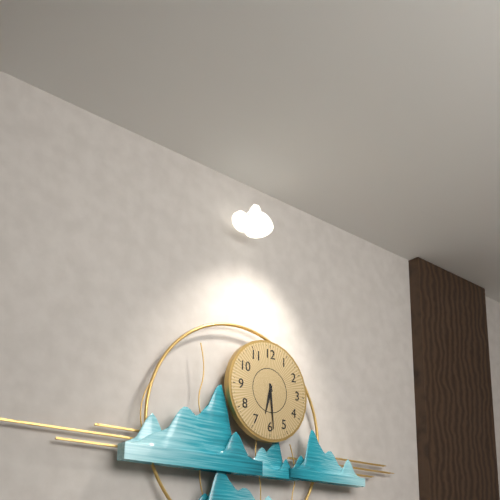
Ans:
**6:29**
